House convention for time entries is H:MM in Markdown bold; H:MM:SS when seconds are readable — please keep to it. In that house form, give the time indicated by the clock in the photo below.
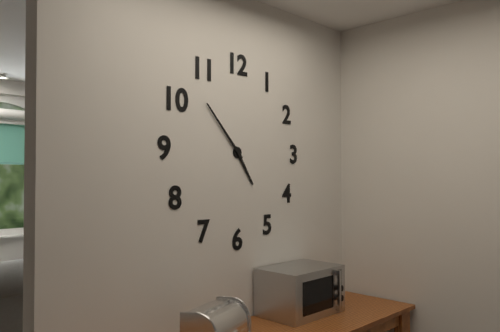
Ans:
**4:53**
